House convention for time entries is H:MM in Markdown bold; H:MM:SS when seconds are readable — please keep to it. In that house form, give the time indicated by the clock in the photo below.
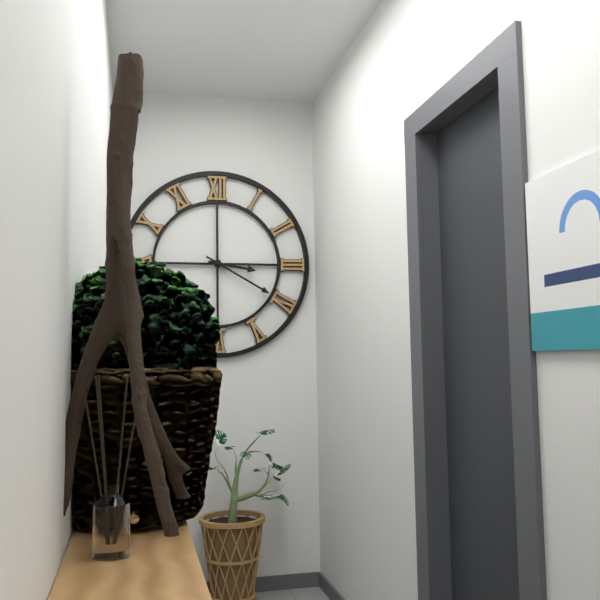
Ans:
**3:20**
